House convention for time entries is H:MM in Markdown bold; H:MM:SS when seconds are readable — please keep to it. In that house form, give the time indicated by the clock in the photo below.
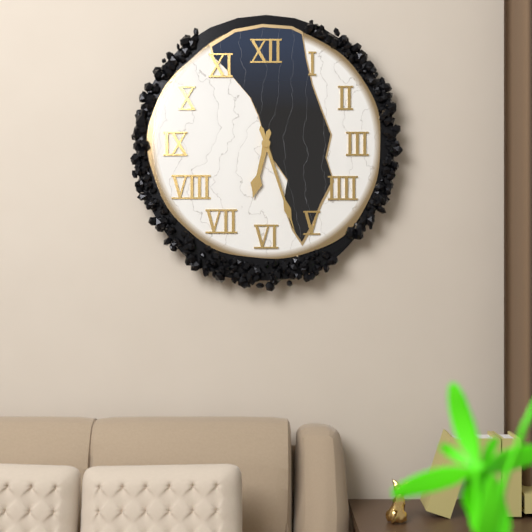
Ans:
**6:27**
